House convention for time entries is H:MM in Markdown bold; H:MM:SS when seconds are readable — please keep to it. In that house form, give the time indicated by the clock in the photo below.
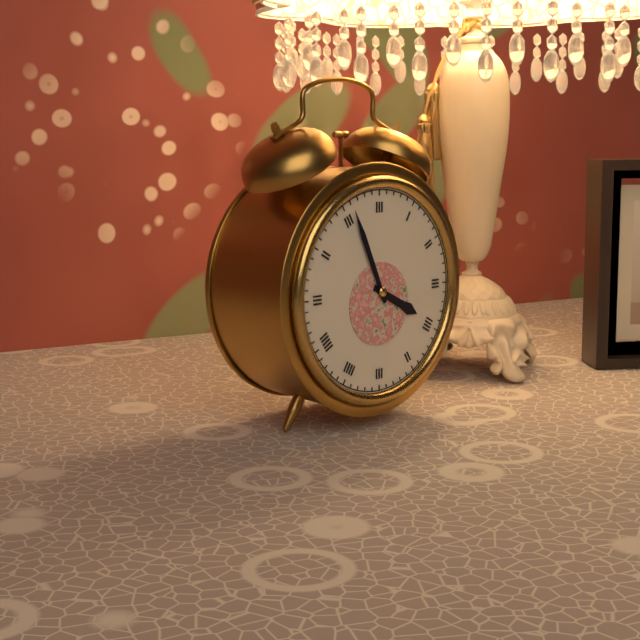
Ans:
**3:56**
